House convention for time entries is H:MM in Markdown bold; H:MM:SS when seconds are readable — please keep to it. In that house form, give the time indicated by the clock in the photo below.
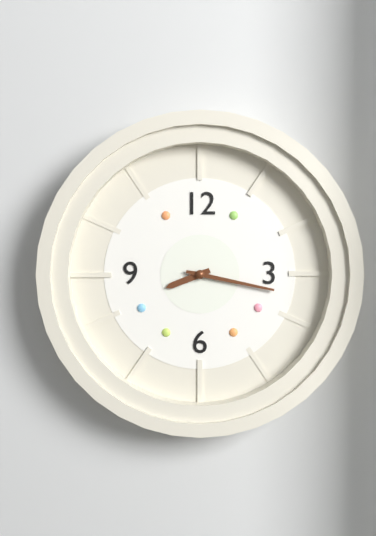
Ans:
**8:17**
